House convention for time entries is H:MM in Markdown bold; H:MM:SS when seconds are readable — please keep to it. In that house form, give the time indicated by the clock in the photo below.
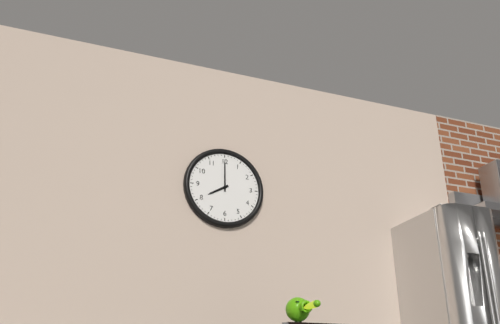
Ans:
**8:00**
